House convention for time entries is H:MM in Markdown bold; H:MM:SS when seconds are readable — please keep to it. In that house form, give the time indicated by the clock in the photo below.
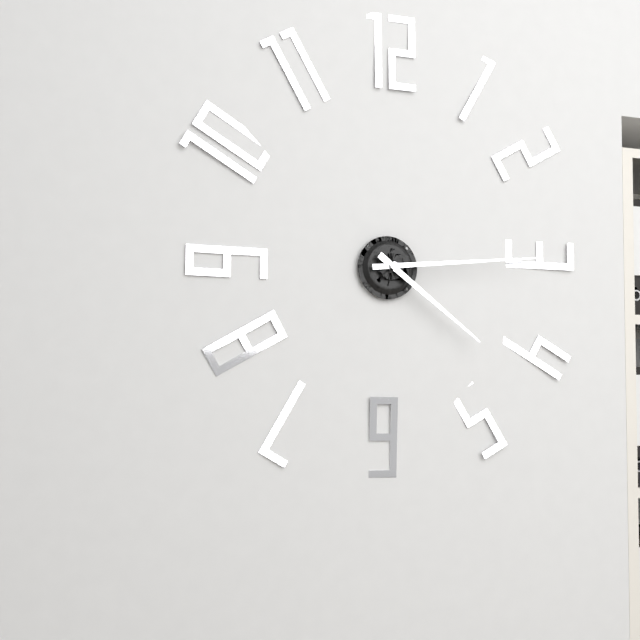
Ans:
**4:14**
